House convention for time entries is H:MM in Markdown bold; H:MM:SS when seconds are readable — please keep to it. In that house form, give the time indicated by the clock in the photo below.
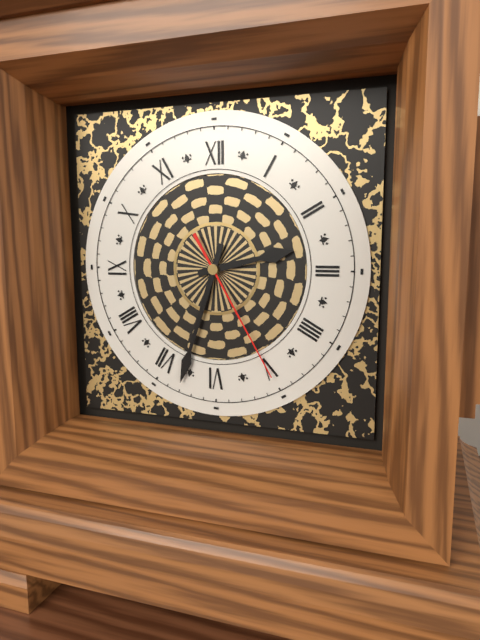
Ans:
**2:33:25**
